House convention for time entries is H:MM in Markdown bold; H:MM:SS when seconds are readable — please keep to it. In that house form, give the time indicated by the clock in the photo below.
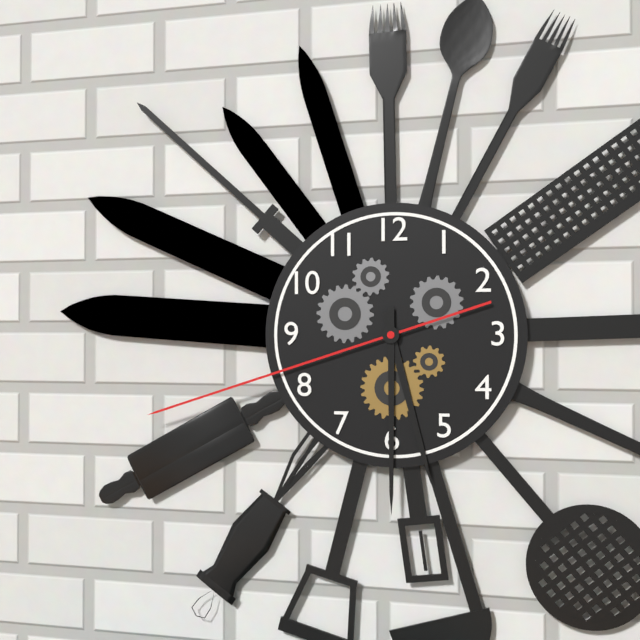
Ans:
**5:30:42**
